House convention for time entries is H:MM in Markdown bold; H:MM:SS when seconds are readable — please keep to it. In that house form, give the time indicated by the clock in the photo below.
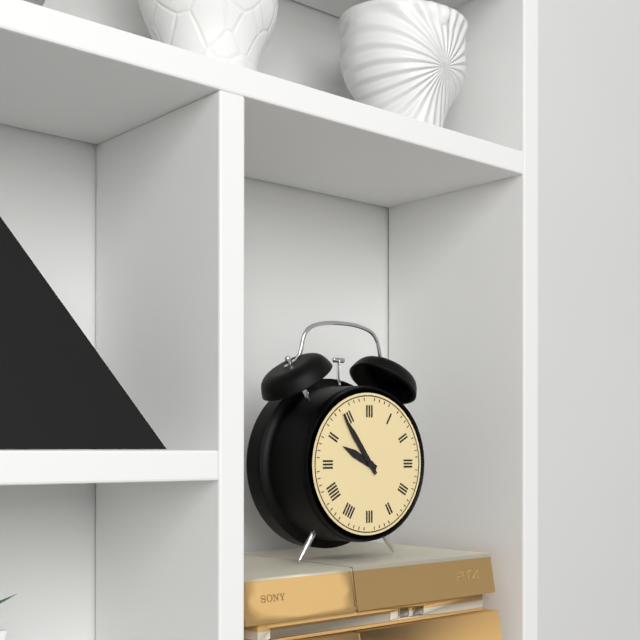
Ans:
**9:54**
